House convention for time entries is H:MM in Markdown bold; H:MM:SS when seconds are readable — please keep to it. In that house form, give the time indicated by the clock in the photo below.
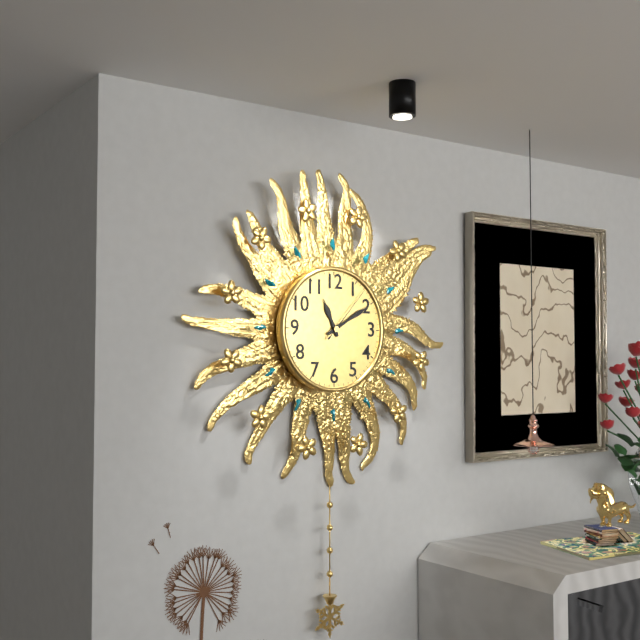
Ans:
**11:10:07**
